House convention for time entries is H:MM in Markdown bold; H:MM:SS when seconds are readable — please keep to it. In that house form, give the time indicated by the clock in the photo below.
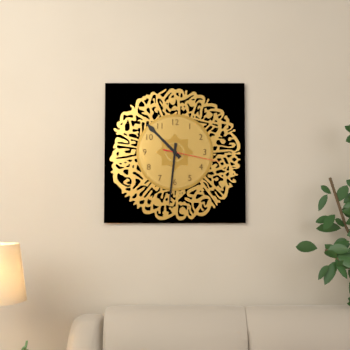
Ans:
**10:31:17**
